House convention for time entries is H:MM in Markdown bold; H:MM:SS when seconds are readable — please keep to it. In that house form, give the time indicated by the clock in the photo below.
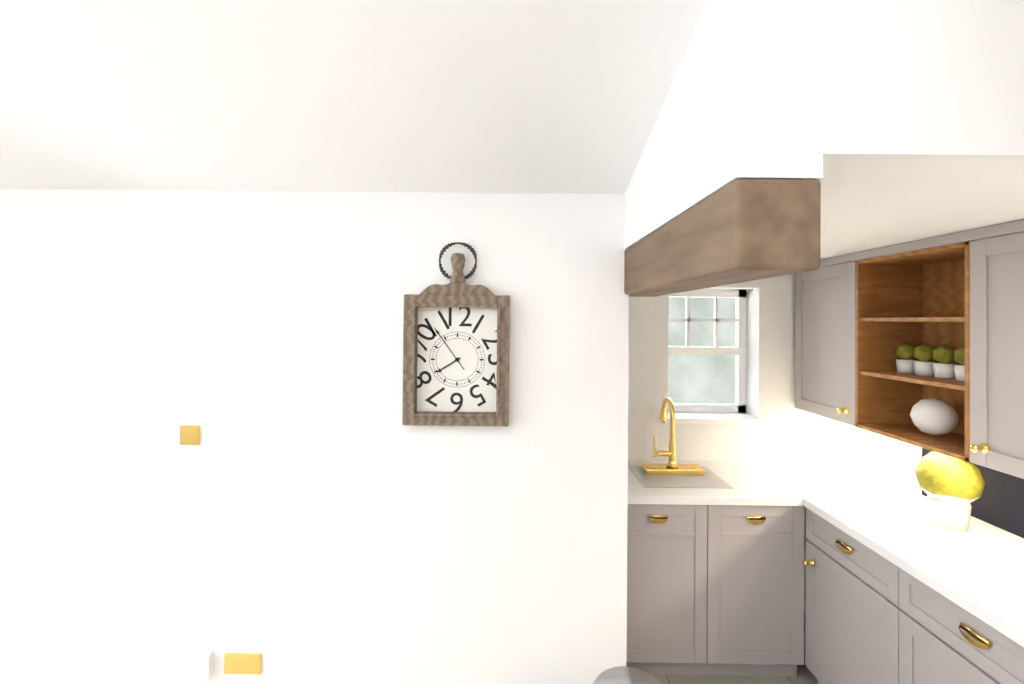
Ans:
**7:54**
